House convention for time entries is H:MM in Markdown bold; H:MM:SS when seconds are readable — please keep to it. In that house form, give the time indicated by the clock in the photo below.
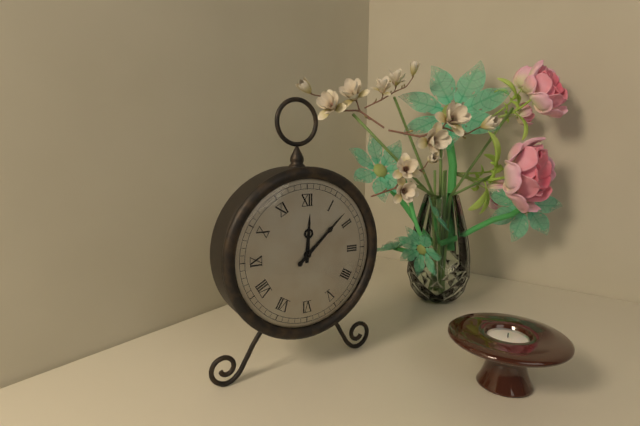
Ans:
**12:08**
